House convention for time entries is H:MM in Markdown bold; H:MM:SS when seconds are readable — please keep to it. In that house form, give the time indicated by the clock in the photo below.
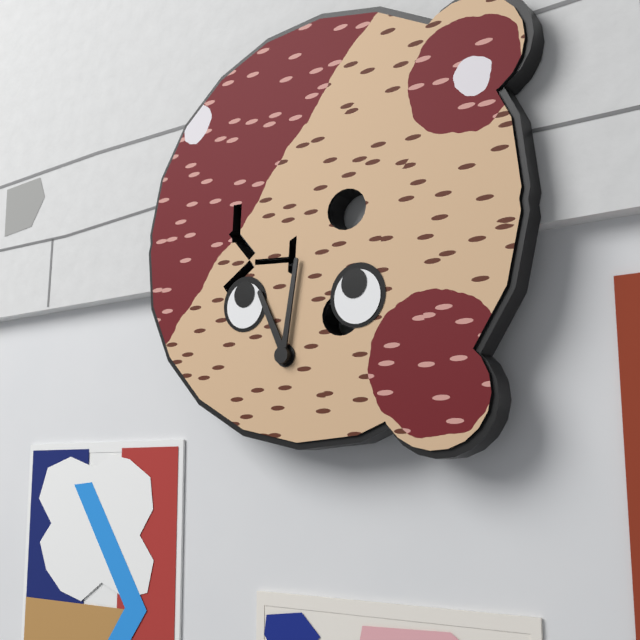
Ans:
**11:01**
